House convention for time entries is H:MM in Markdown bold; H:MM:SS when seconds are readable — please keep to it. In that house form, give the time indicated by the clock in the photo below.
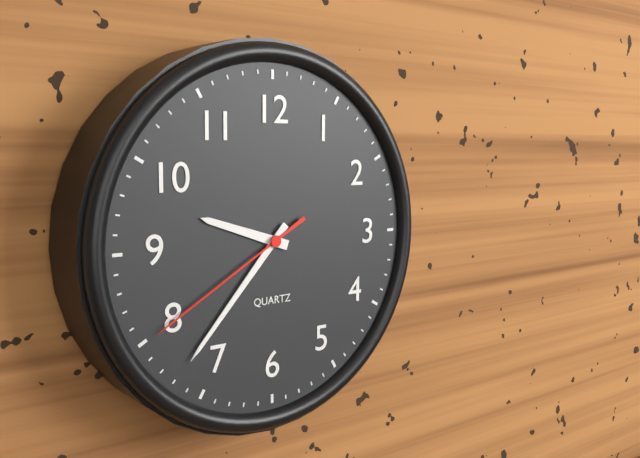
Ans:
**9:37:40**
